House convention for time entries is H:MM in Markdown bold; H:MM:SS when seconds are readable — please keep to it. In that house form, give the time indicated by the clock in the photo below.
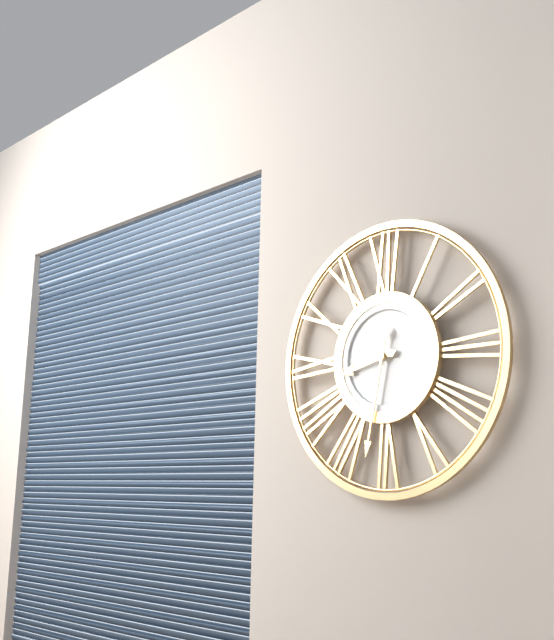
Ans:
**8:32**
